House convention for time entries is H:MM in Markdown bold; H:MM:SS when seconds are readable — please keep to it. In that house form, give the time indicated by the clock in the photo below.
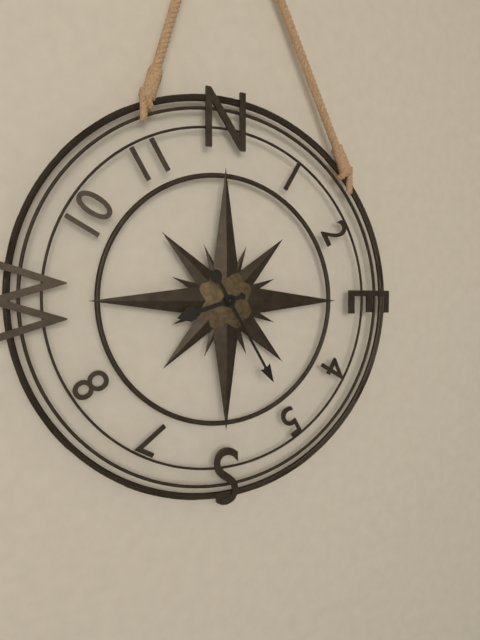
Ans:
**8:25**
